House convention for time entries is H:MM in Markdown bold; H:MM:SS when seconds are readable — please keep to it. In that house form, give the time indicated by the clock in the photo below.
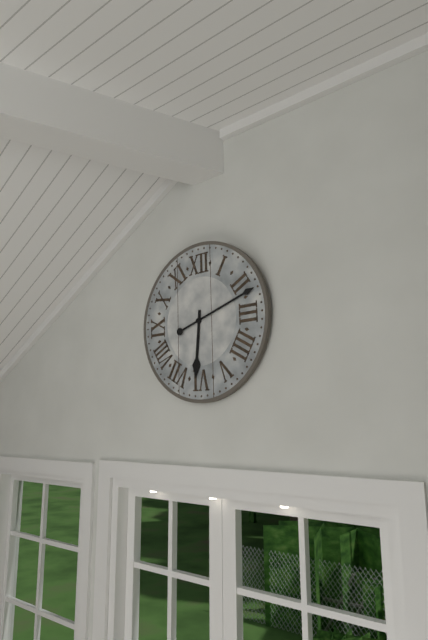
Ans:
**6:12**
